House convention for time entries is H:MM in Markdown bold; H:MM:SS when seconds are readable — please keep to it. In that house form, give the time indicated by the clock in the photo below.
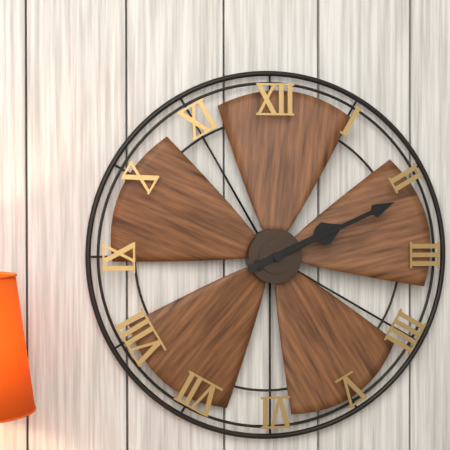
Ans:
**2:11**
